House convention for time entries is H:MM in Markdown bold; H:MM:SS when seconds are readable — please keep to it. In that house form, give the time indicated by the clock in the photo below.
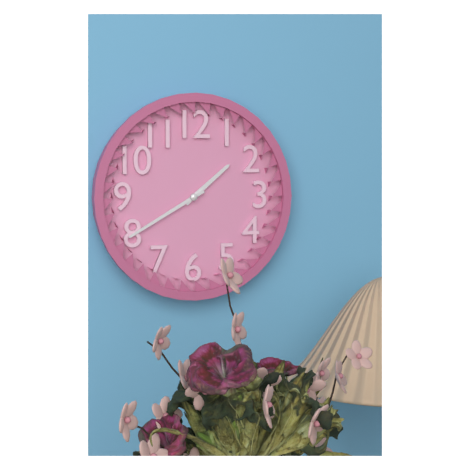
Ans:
**1:40**
